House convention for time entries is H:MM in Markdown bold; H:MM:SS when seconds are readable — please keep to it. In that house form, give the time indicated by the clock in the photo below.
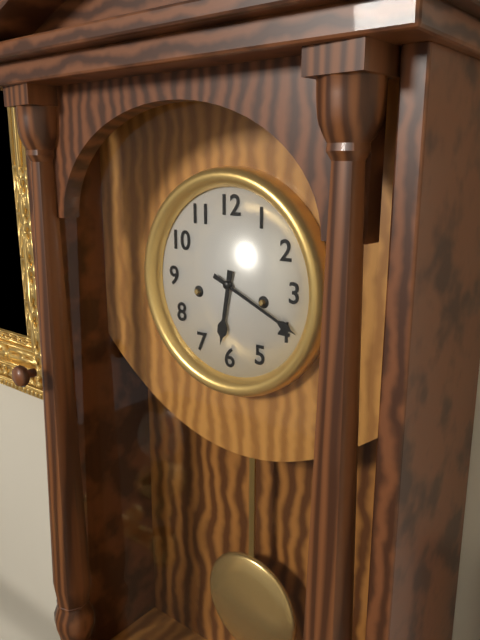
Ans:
**6:19**
